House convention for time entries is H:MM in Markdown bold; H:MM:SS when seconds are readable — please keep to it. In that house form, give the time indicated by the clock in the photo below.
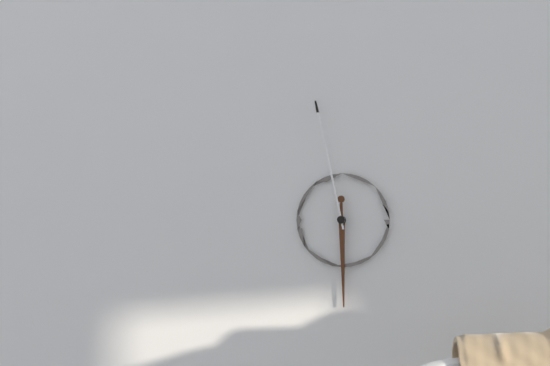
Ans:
**5:58**
